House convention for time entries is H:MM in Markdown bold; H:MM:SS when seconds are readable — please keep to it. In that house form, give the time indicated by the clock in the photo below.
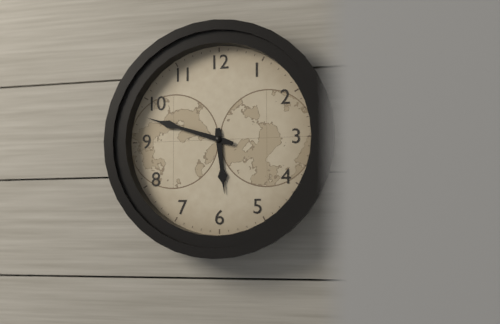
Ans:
**5:48**
